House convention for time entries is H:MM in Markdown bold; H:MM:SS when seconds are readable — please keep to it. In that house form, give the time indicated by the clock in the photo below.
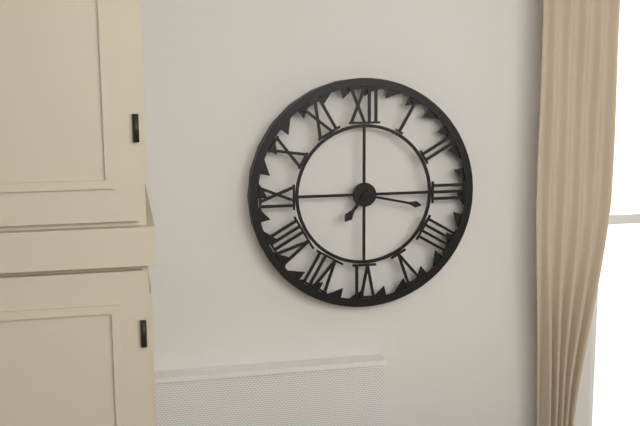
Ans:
**7:17**
